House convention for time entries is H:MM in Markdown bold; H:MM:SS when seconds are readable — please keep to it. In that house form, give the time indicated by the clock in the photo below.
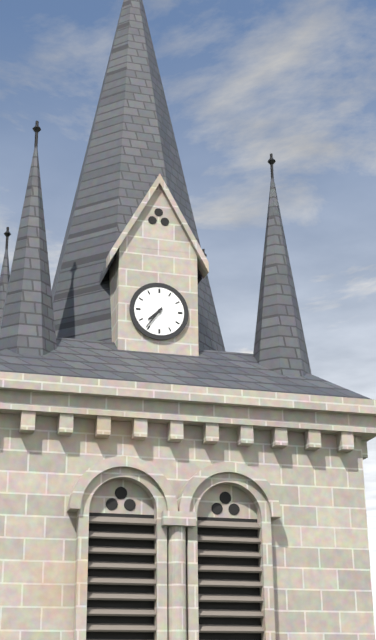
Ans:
**7:36**
